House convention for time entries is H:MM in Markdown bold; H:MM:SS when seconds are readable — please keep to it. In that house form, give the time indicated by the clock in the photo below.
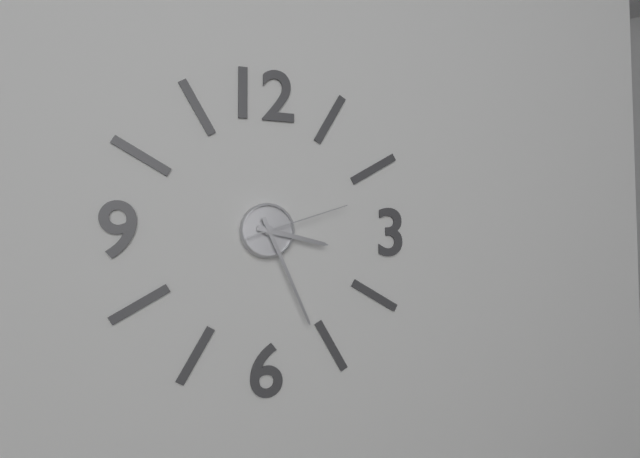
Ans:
**3:26:12**
